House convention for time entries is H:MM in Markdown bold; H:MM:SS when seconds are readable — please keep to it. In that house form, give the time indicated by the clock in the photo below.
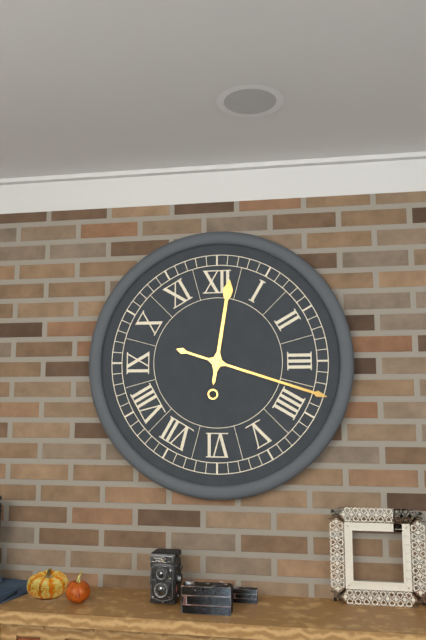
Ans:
**12:18**
